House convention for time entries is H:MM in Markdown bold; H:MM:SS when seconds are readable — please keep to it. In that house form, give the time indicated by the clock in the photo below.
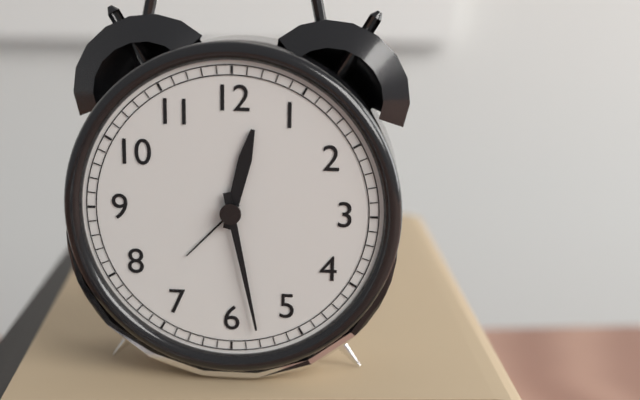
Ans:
**12:28**
